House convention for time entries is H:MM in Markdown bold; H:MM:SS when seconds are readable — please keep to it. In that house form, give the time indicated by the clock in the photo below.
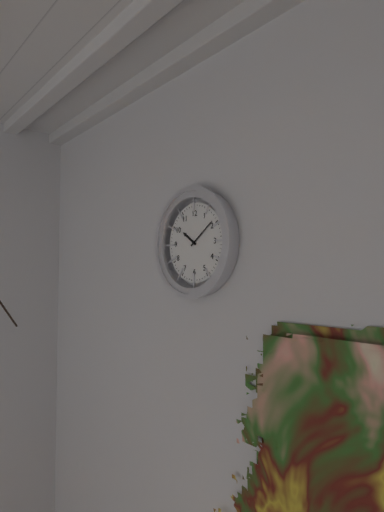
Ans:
**10:09**
